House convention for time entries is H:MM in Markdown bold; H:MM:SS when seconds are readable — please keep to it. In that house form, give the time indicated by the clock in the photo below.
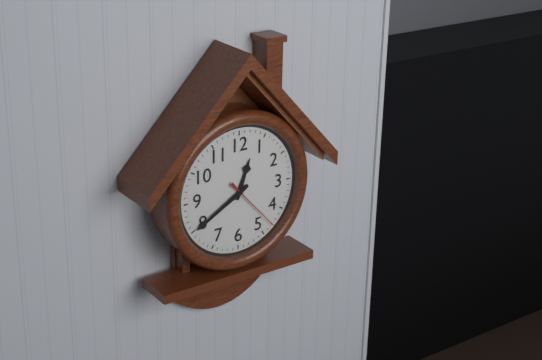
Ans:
**12:40:23**
